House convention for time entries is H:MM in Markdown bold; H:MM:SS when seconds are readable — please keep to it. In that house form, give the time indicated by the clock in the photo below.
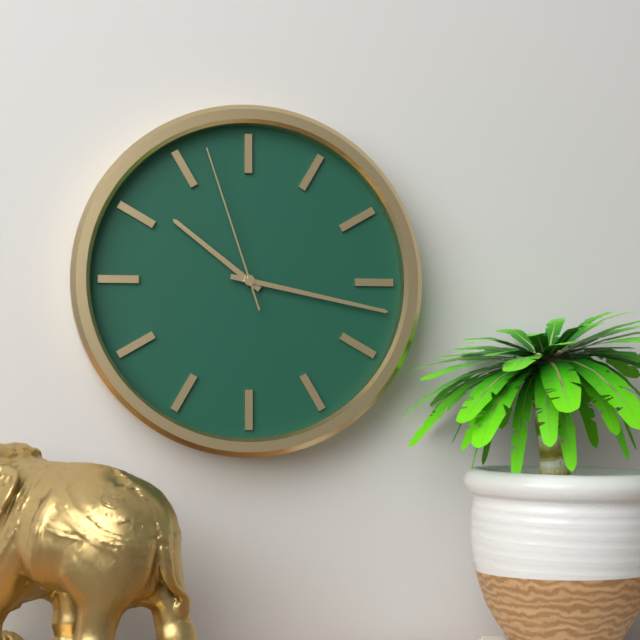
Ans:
**10:17:57**
